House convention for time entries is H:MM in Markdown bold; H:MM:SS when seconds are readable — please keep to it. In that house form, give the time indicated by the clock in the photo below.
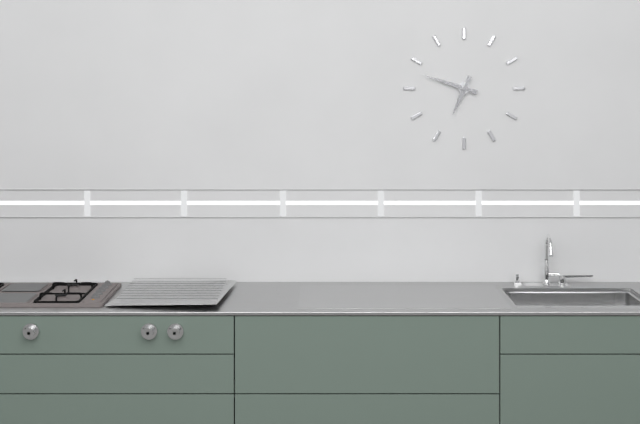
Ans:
**6:48**
